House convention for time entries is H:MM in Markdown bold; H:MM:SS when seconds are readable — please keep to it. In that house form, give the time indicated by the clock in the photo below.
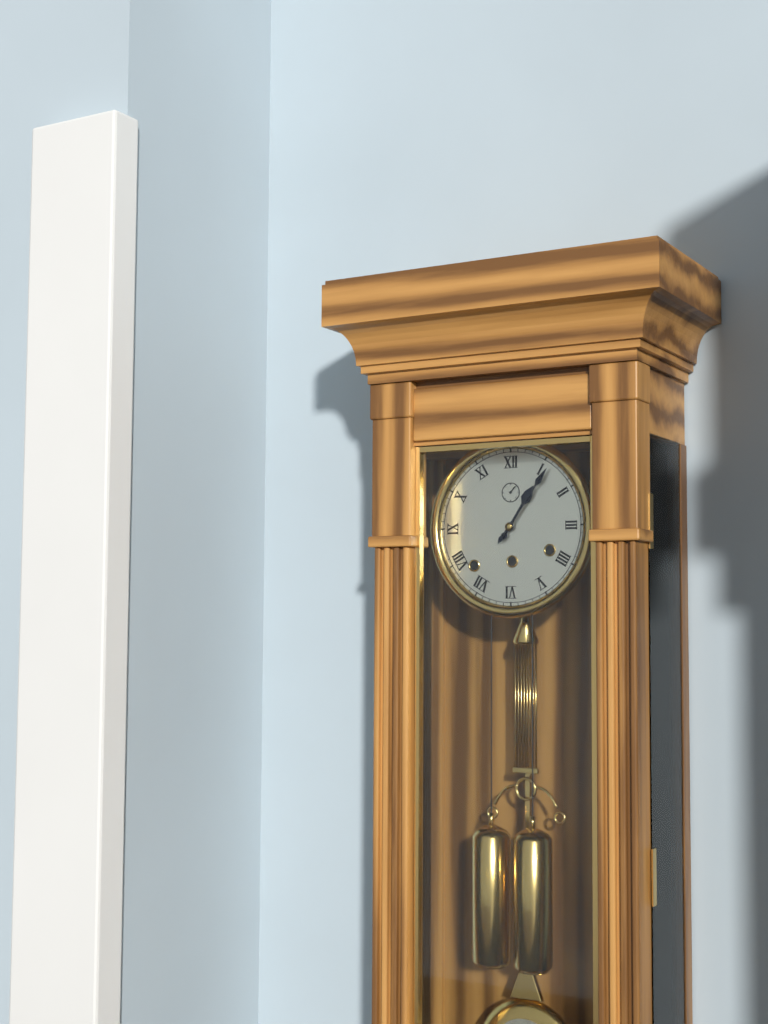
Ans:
**1:06**
